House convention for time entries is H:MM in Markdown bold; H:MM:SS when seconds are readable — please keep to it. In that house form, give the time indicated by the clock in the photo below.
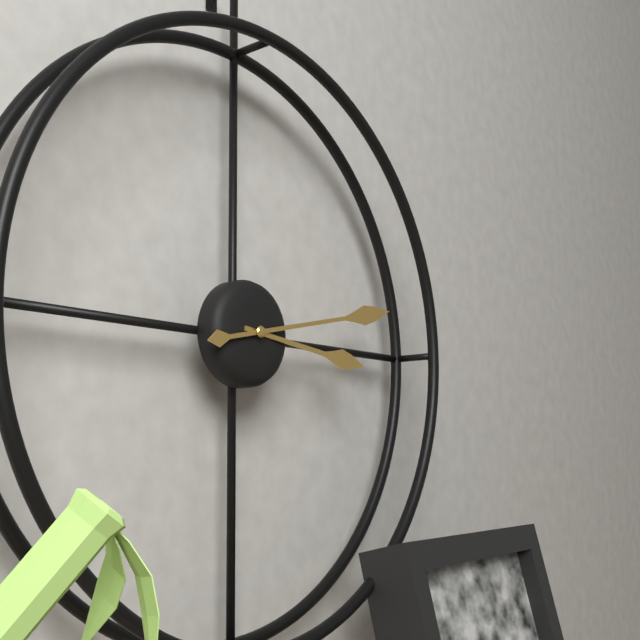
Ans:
**3:13**
